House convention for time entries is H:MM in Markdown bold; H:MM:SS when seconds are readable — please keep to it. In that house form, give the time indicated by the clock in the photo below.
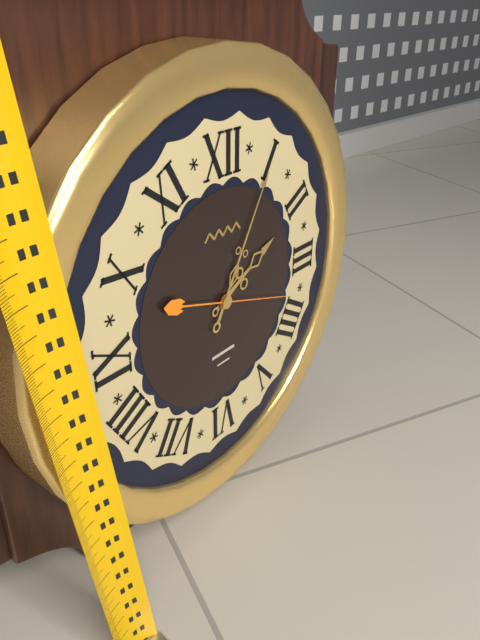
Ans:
**2:05:18**
